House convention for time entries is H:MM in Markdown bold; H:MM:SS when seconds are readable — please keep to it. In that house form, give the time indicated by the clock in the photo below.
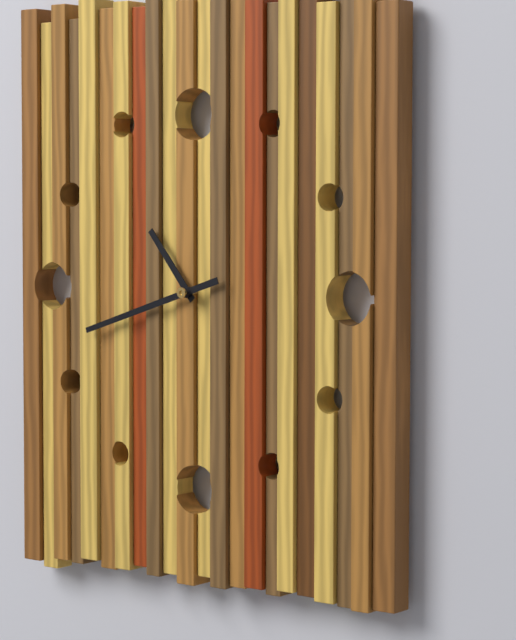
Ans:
**10:42**
